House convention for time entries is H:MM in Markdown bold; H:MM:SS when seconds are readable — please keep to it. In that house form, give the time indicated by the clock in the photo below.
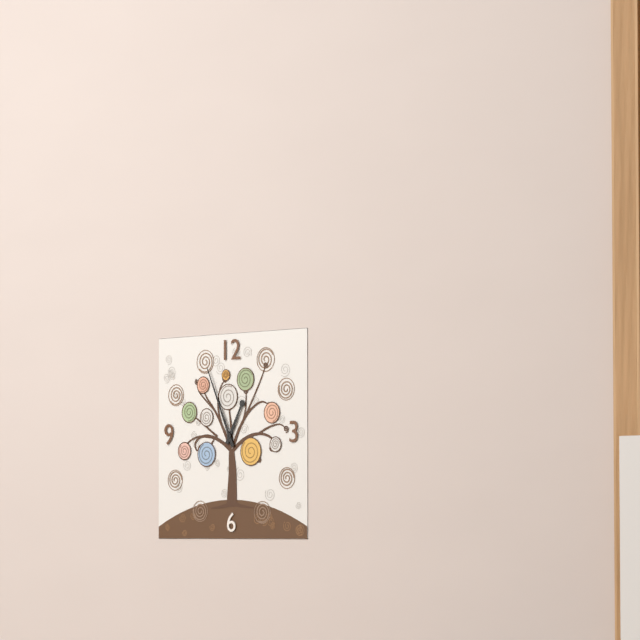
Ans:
**12:56**
